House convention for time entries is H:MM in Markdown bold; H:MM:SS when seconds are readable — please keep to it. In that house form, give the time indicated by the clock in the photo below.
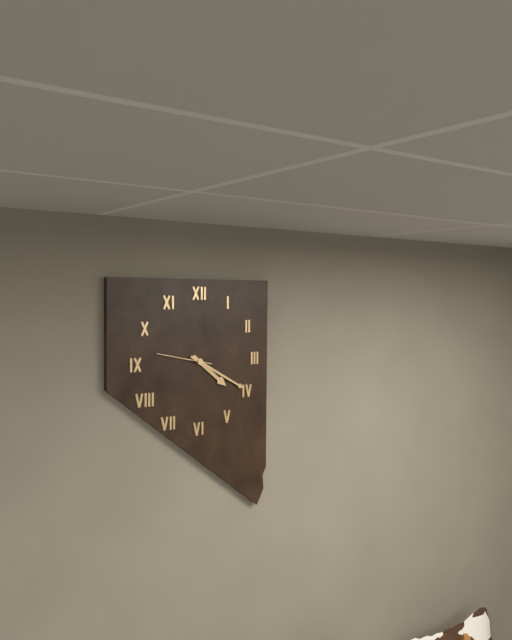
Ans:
**4:20**
